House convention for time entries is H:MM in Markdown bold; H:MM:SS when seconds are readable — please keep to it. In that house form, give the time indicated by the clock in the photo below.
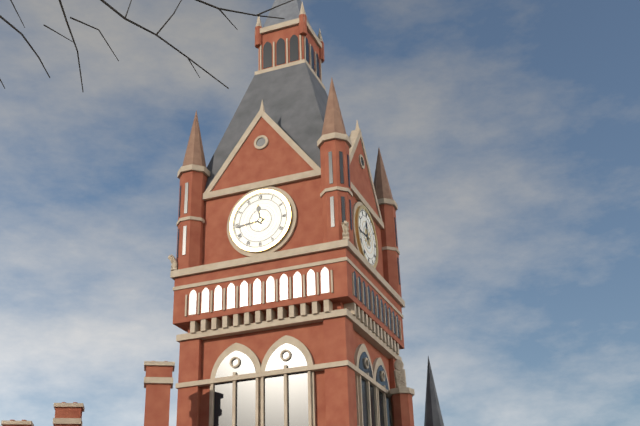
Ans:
**11:44**
